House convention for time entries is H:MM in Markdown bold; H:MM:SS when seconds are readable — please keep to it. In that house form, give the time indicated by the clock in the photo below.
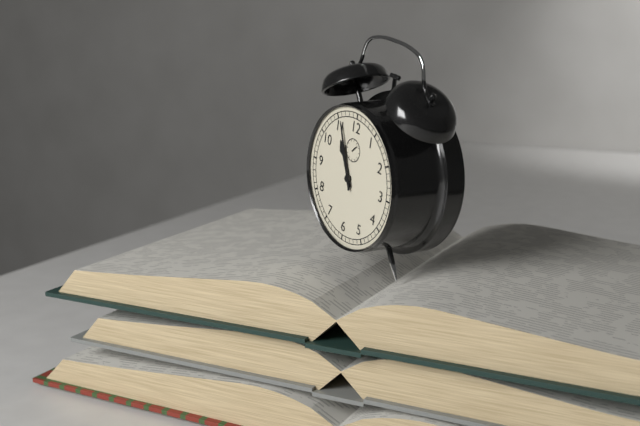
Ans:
**10:56**
